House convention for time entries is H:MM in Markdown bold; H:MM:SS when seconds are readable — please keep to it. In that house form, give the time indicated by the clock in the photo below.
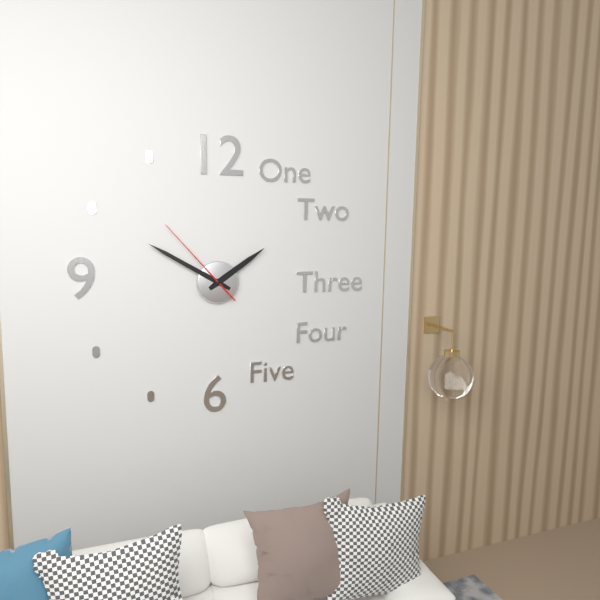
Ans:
**1:50:53**
